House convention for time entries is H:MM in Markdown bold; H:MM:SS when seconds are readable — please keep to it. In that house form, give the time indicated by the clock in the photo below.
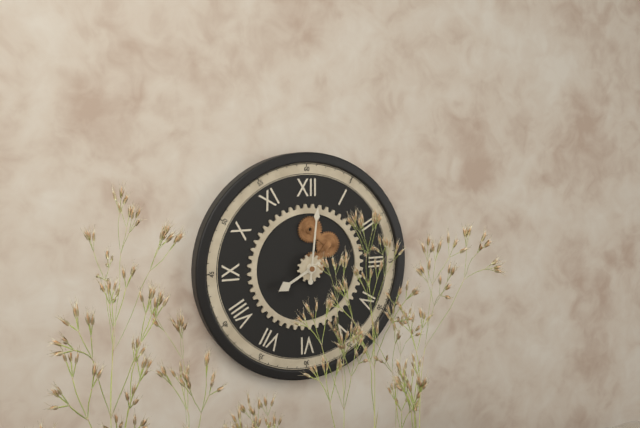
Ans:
**8:01**
